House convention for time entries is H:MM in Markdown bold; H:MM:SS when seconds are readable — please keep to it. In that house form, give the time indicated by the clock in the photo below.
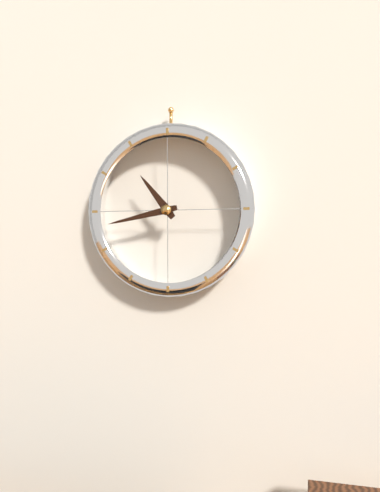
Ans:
**10:43**
